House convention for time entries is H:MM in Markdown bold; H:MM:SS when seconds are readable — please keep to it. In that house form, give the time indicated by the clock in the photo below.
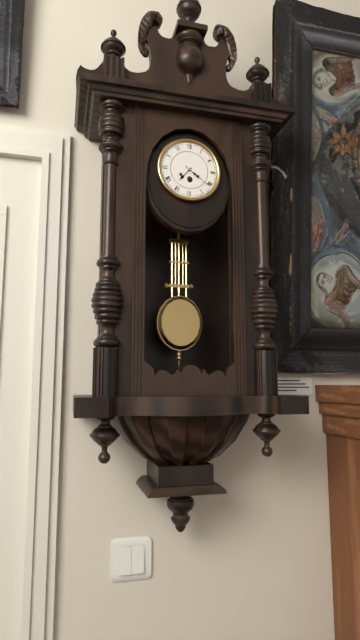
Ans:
**7:21**
